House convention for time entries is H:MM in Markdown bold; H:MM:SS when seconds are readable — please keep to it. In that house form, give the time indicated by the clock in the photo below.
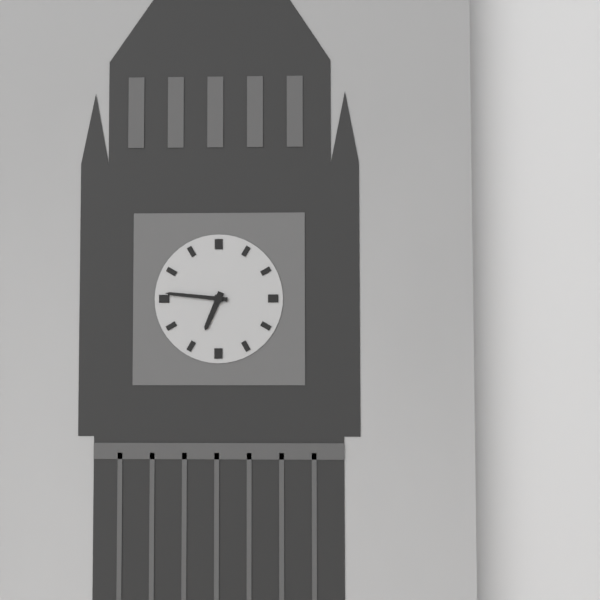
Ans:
**6:46**
